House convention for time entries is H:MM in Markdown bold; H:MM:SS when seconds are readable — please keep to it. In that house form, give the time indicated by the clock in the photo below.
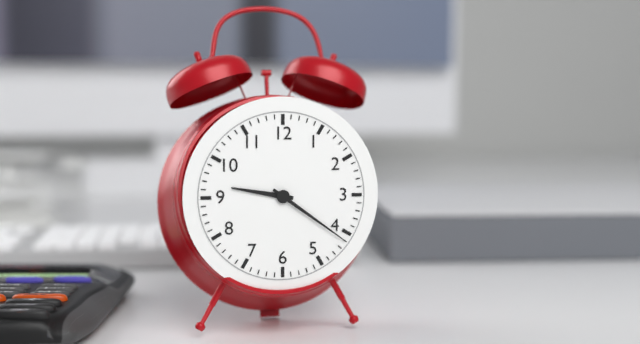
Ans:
**9:21**
